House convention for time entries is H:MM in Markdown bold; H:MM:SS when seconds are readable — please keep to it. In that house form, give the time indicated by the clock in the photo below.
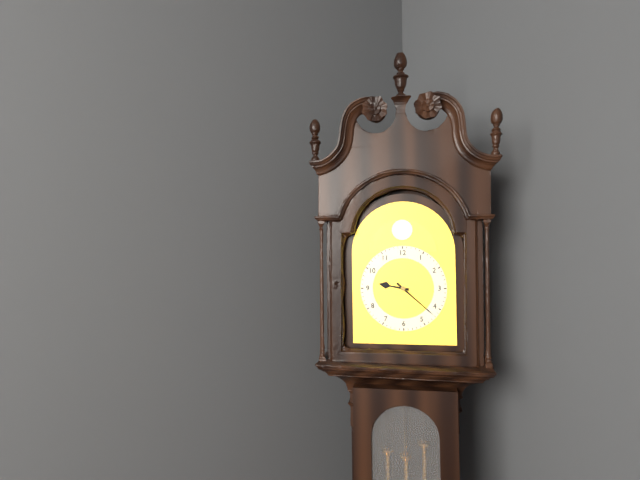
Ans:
**9:22**
